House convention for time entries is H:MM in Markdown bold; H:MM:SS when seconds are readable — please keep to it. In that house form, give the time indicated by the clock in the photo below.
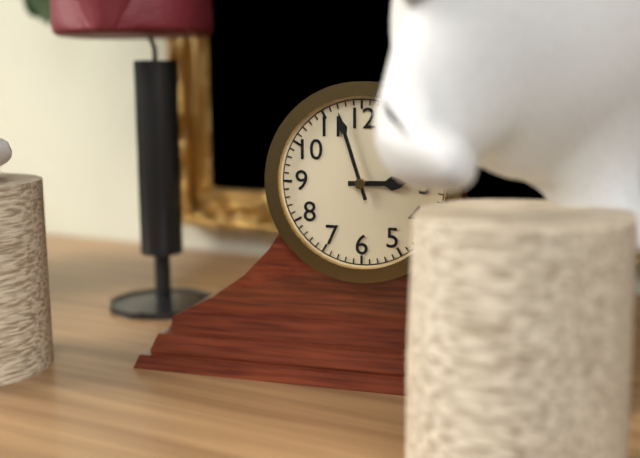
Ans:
**2:57**
